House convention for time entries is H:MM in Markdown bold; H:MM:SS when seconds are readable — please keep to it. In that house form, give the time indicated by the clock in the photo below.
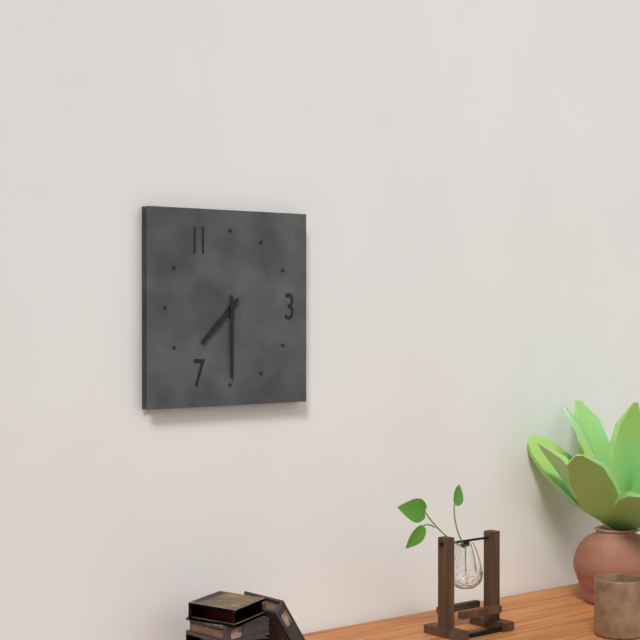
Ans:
**7:30**
